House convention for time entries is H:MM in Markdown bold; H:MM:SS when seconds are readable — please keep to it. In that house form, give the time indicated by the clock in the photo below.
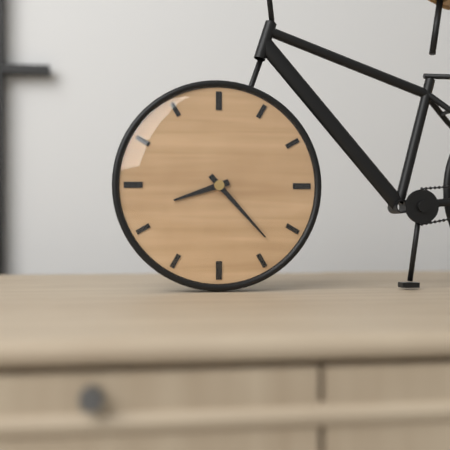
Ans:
**8:23**
